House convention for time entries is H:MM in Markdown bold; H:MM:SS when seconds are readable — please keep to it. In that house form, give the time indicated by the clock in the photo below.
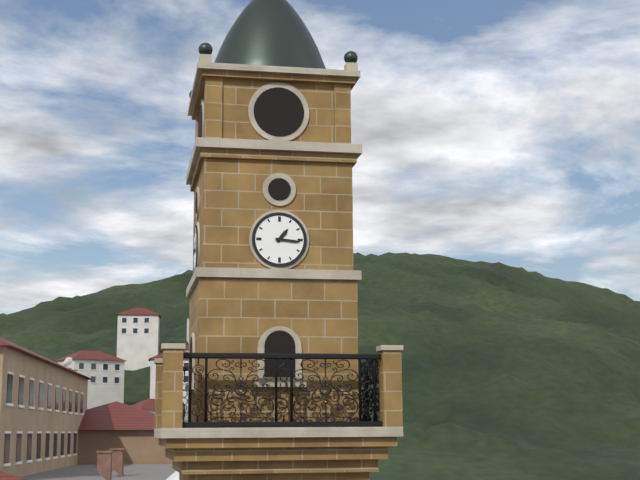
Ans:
**1:16**
